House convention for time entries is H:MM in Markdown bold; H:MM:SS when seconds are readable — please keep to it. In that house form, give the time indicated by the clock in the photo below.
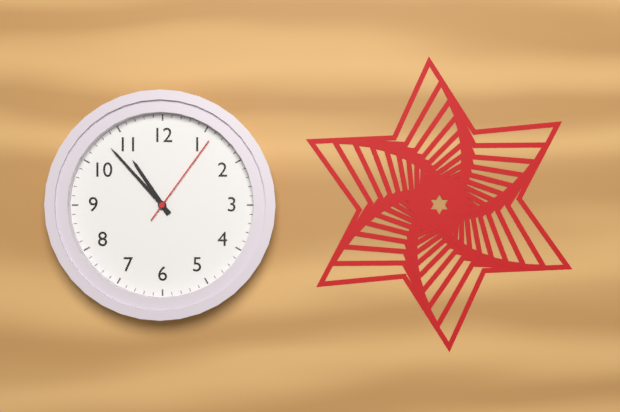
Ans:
**10:53:06**
